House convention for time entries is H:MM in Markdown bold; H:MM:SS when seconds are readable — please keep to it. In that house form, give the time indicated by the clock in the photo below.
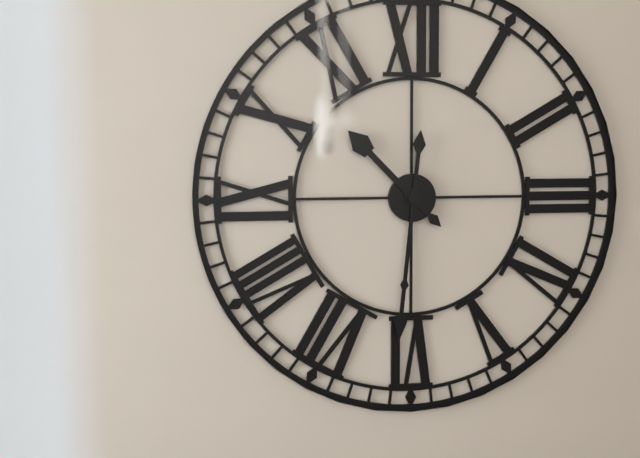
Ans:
**10:31**
